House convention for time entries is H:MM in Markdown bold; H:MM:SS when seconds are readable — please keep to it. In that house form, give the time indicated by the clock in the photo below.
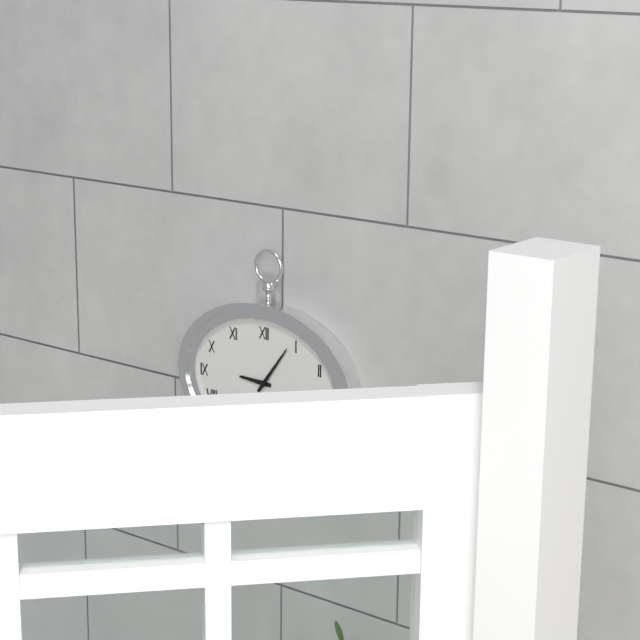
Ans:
**9:06**
